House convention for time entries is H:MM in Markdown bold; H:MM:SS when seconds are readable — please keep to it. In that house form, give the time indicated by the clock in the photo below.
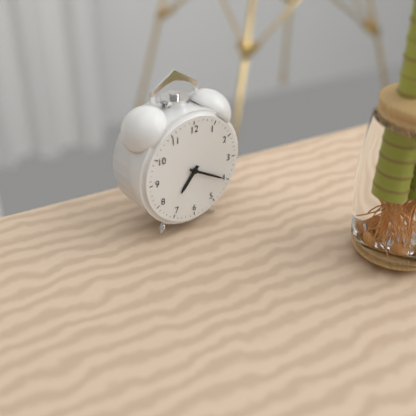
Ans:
**7:20**
